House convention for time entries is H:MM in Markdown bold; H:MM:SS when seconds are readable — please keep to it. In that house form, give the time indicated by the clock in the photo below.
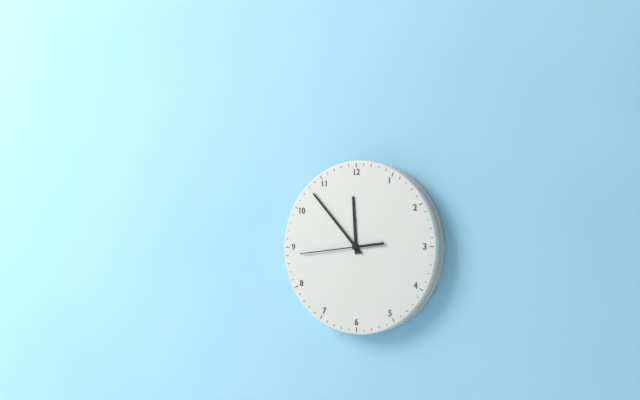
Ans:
**11:53:44**
